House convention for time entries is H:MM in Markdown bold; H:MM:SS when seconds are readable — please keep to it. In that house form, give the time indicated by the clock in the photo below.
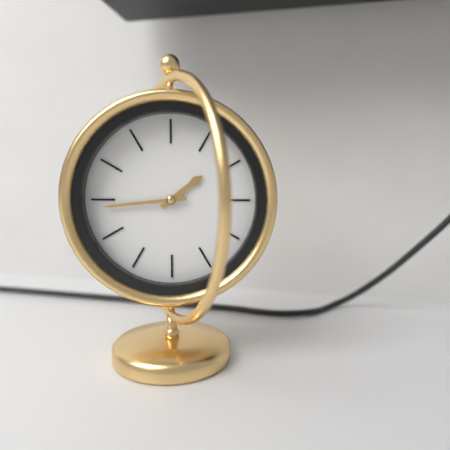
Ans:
**1:44**
